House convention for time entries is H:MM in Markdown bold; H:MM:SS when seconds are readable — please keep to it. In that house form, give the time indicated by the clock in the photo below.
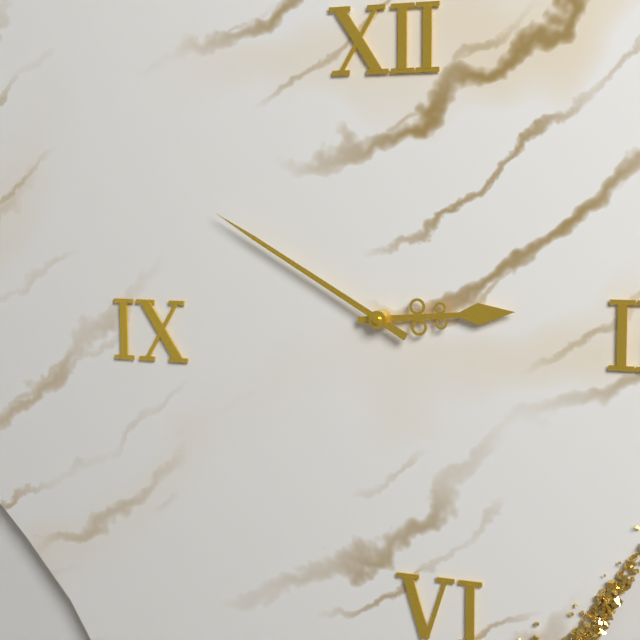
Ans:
**2:50**
